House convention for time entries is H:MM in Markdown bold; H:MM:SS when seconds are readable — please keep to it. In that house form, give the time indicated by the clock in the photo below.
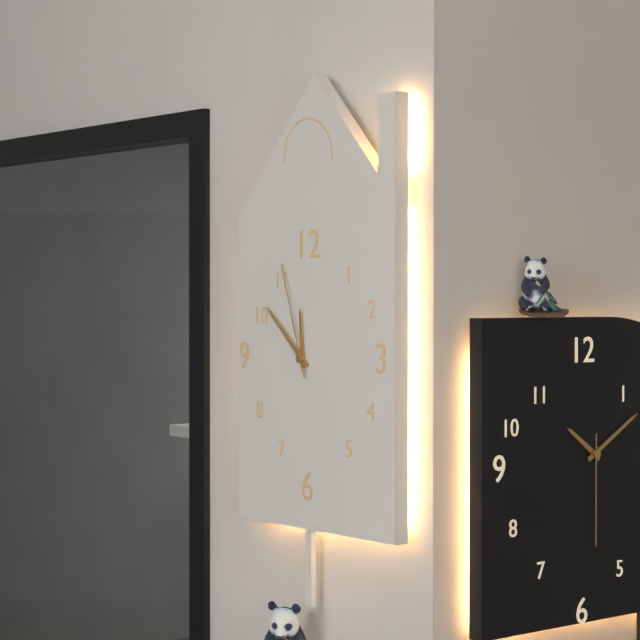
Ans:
**11:52:57**
